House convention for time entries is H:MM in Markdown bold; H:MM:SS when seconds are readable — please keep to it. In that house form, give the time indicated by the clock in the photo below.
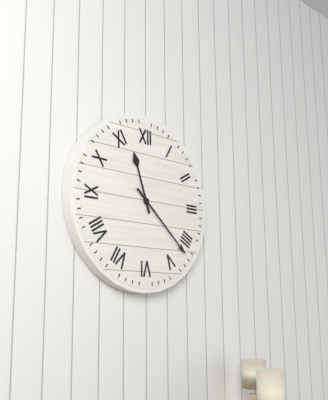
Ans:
**11:22**
